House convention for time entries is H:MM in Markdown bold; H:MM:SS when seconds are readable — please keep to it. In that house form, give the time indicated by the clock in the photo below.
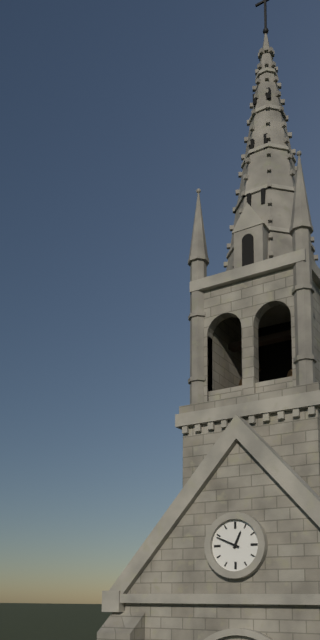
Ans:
**12:49**
